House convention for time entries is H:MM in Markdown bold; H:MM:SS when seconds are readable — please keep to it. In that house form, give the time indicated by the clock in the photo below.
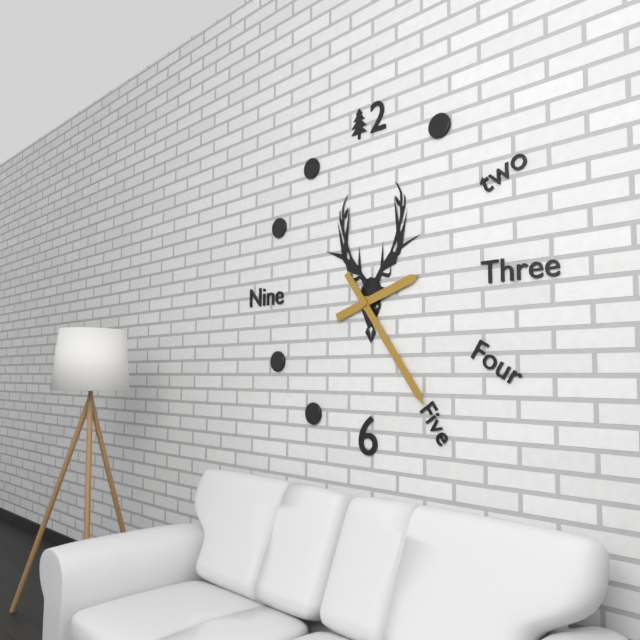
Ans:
**2:24**
